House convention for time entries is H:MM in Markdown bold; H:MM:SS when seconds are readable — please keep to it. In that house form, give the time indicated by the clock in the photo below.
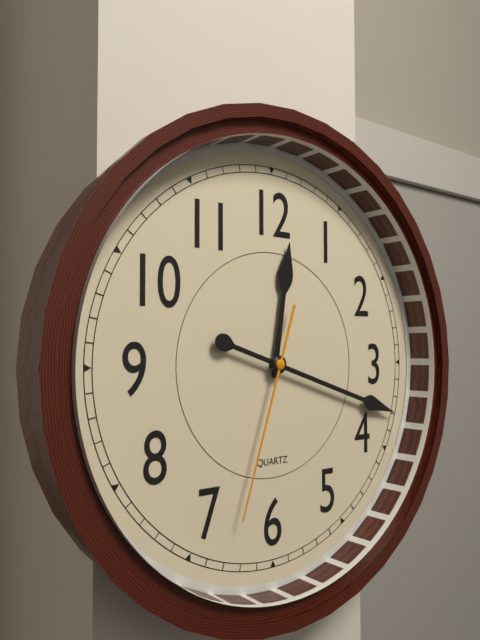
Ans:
**12:18:33**
